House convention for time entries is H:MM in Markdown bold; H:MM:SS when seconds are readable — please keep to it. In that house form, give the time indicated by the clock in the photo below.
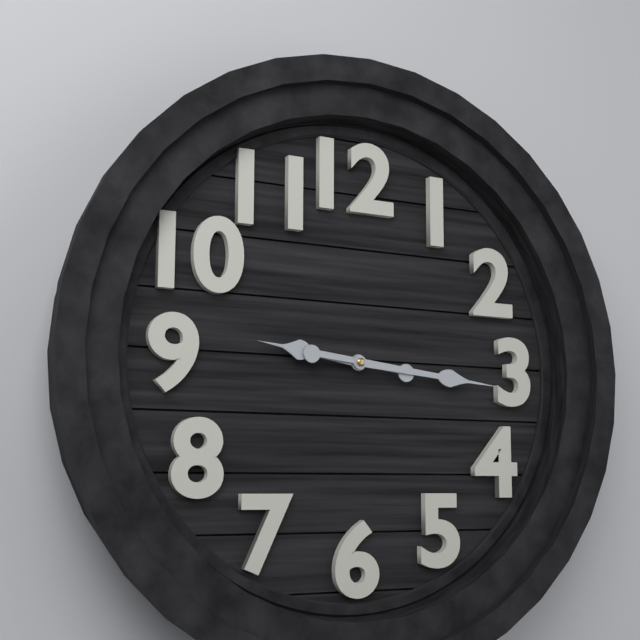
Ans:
**9:16**
